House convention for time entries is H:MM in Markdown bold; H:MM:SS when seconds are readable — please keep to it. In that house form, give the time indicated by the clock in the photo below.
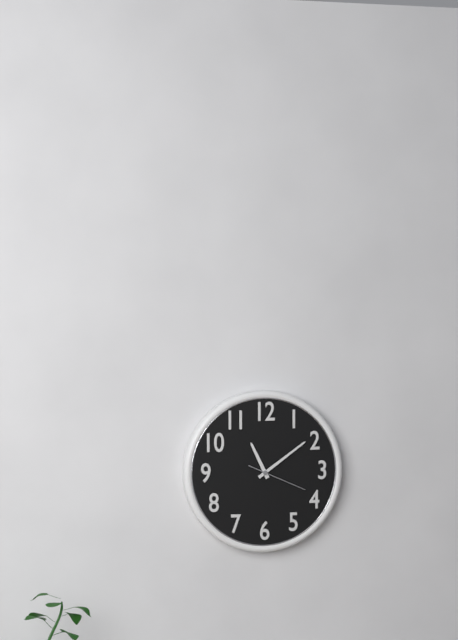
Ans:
**11:09:19**
